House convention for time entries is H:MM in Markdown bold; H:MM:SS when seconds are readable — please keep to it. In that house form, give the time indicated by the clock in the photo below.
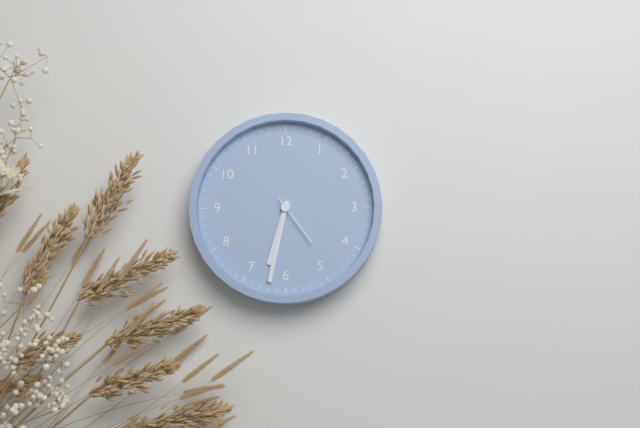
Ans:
**6:32:24**
